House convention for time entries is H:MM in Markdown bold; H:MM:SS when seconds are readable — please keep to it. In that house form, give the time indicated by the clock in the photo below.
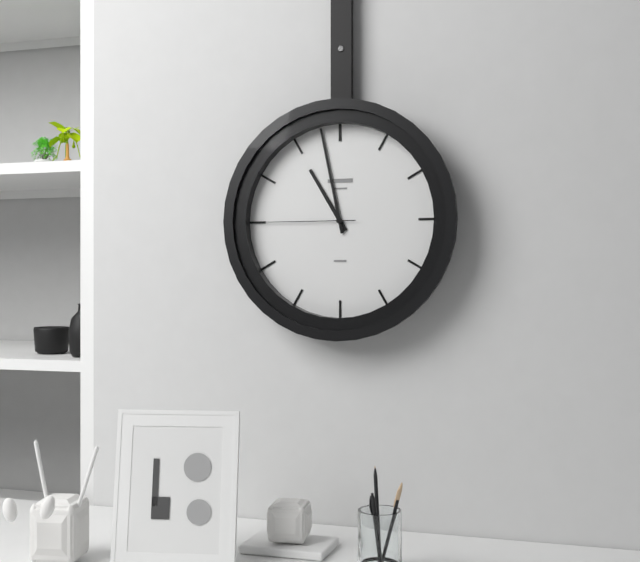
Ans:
**10:58:45**
